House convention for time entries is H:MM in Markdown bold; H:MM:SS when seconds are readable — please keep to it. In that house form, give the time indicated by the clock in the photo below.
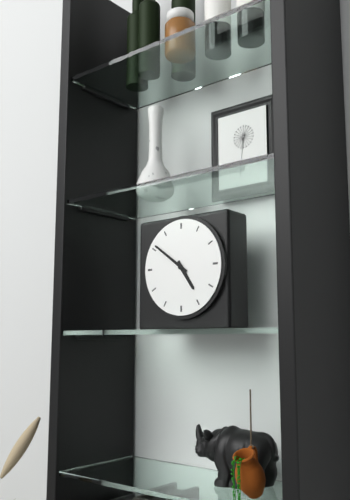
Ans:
**4:51**
